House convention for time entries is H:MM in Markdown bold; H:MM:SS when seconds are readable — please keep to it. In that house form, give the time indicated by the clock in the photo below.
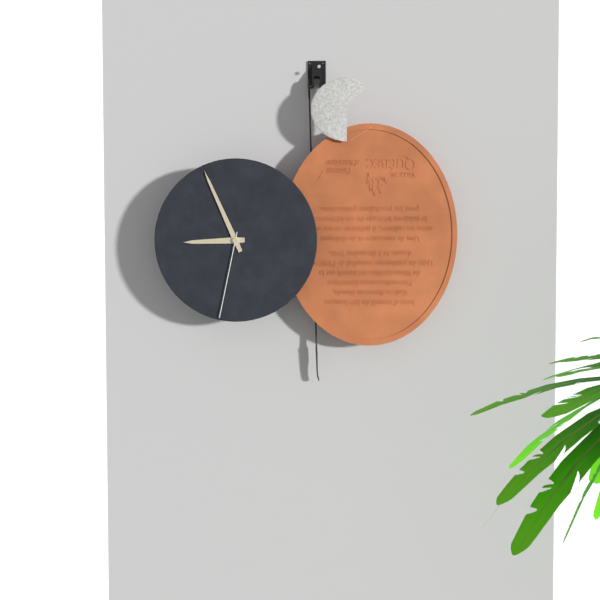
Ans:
**8:56:32**
